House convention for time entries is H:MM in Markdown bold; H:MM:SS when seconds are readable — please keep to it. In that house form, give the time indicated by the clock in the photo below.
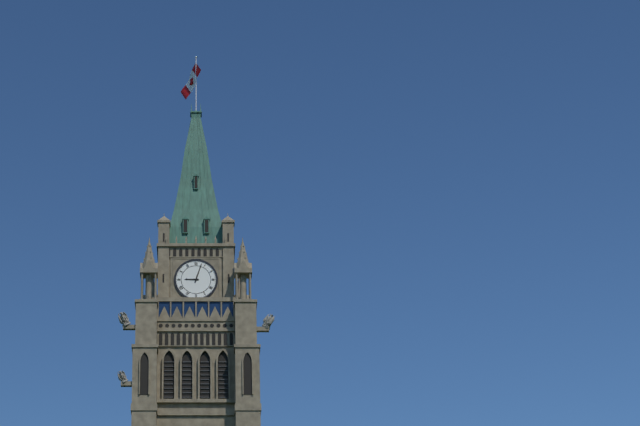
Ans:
**9:03**
